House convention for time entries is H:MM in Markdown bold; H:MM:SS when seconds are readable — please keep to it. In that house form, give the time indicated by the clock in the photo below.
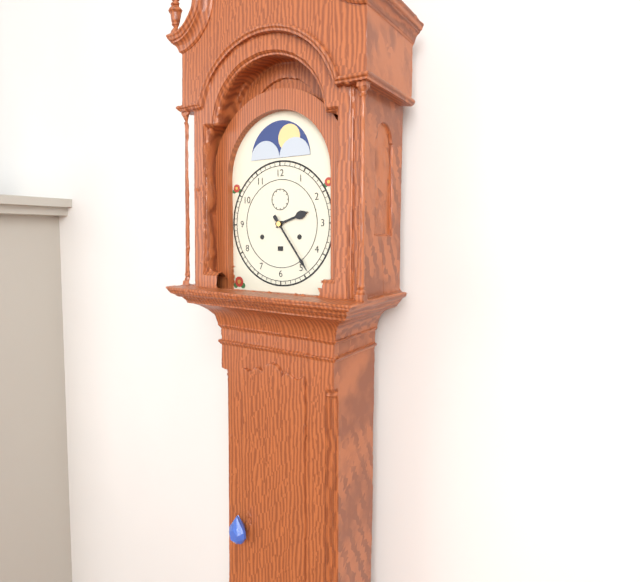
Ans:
**2:24**
